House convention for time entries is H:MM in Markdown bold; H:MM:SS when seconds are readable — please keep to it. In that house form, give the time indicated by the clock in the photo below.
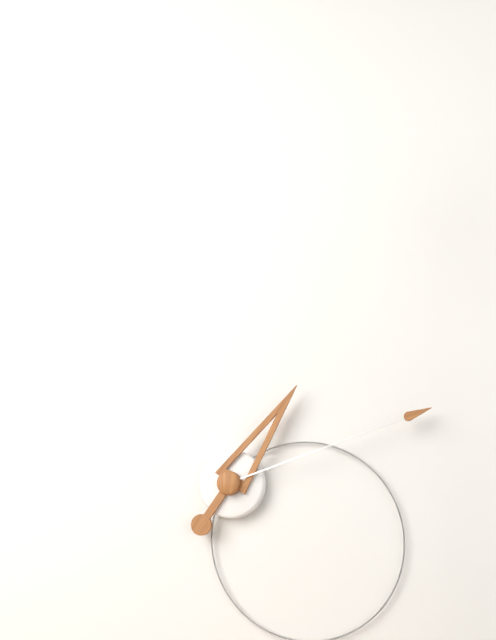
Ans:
**1:12**
